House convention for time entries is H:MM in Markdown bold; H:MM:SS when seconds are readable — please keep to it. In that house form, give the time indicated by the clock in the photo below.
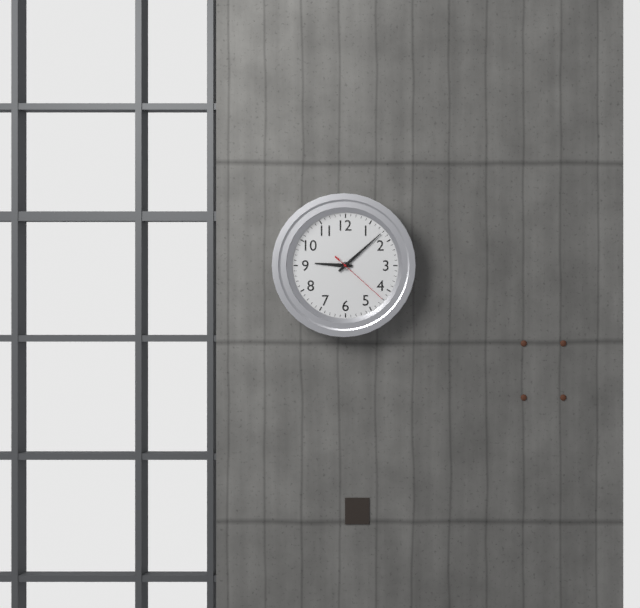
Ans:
**9:08:22**
